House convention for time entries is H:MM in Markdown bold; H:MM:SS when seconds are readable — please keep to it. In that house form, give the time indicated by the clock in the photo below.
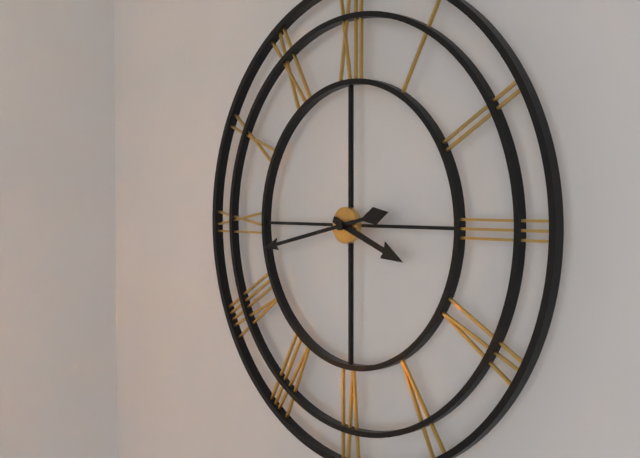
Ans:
**3:43**
